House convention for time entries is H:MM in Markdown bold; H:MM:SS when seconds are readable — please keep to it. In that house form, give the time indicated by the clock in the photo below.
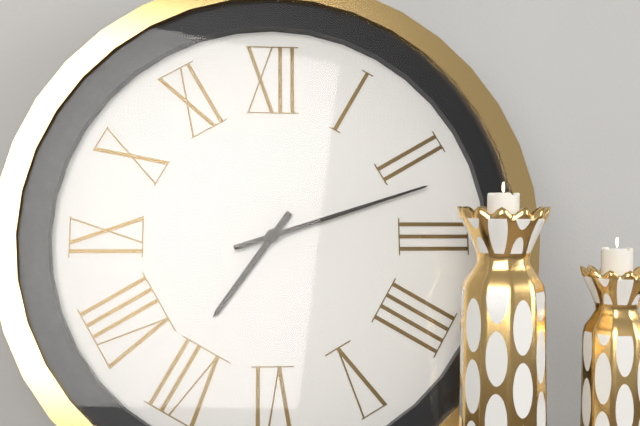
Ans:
**7:12**
